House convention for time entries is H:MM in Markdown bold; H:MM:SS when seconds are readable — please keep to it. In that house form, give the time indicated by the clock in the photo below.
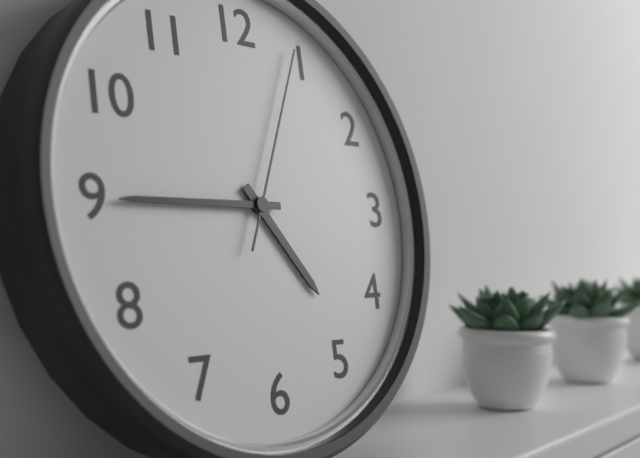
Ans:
**4:45:04**
